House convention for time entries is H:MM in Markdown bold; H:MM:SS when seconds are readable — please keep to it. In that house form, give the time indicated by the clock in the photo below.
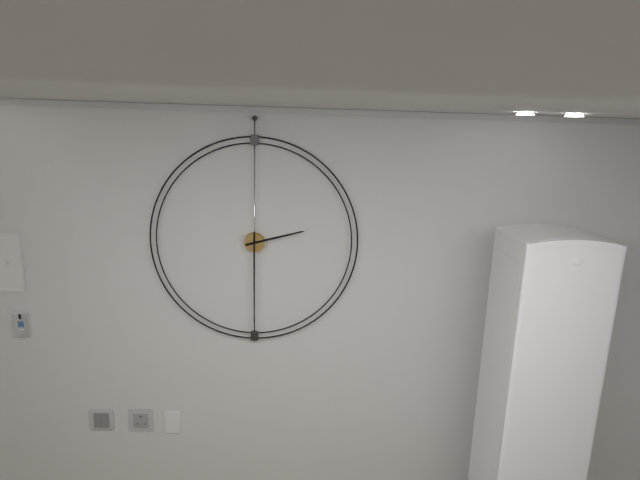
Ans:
**2:30**
